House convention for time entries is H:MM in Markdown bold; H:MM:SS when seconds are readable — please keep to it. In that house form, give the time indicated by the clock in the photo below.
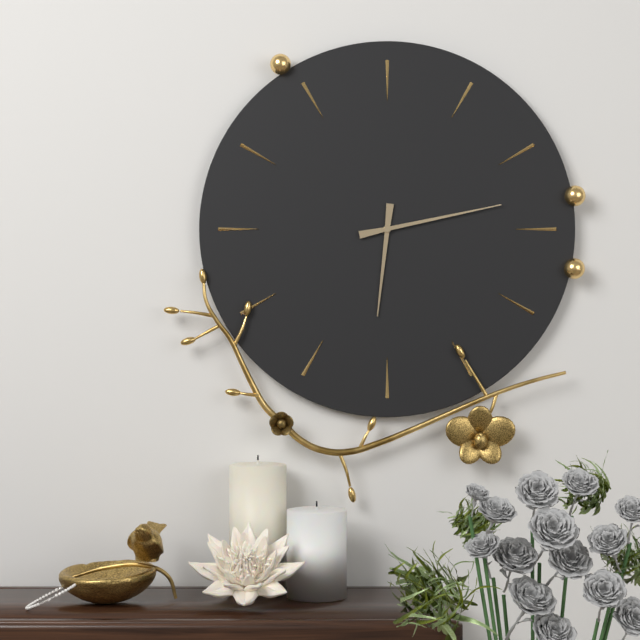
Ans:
**6:13**
